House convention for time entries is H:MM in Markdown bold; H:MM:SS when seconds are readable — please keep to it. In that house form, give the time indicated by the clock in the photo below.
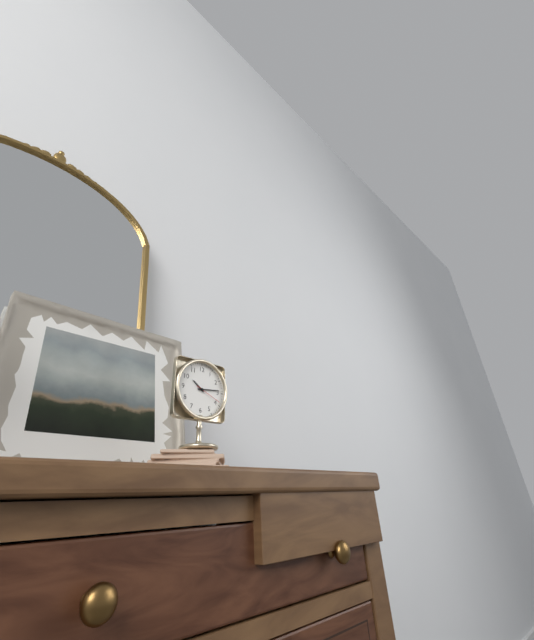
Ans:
**10:14**
